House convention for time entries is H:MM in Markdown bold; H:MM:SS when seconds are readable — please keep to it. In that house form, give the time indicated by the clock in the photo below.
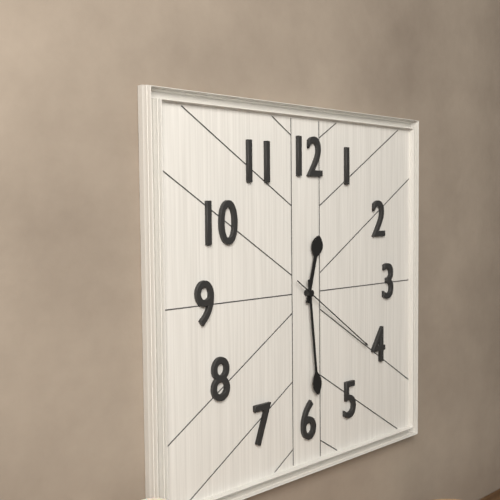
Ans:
**12:29:21**
